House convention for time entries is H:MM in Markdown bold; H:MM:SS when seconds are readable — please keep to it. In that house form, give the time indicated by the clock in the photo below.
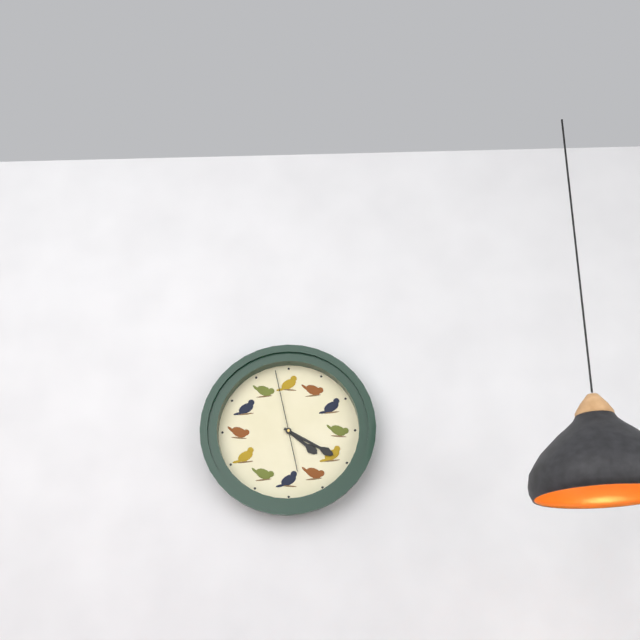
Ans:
**4:20:58**
